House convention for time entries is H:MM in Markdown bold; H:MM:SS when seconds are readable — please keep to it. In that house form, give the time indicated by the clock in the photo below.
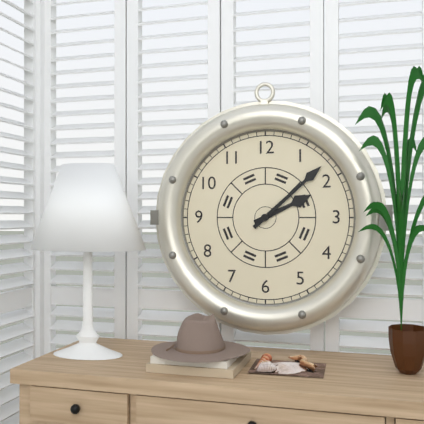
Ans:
**2:08**
